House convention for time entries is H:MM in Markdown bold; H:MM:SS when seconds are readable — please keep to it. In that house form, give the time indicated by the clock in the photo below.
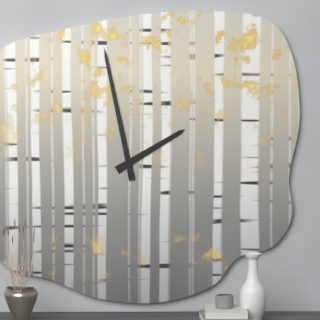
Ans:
**1:58**
